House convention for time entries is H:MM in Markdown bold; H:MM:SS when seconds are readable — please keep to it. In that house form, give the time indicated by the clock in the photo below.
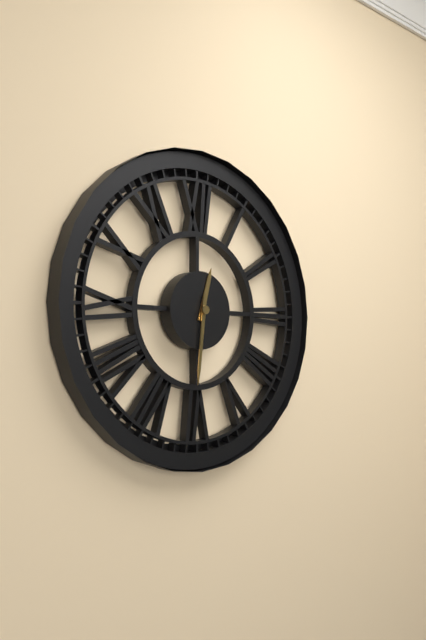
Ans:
**12:31**
